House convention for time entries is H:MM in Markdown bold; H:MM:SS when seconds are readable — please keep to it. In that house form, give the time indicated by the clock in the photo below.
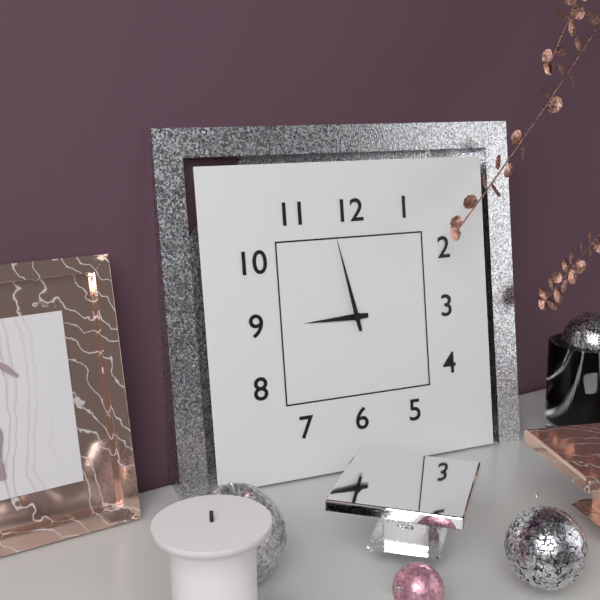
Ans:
**8:58**
